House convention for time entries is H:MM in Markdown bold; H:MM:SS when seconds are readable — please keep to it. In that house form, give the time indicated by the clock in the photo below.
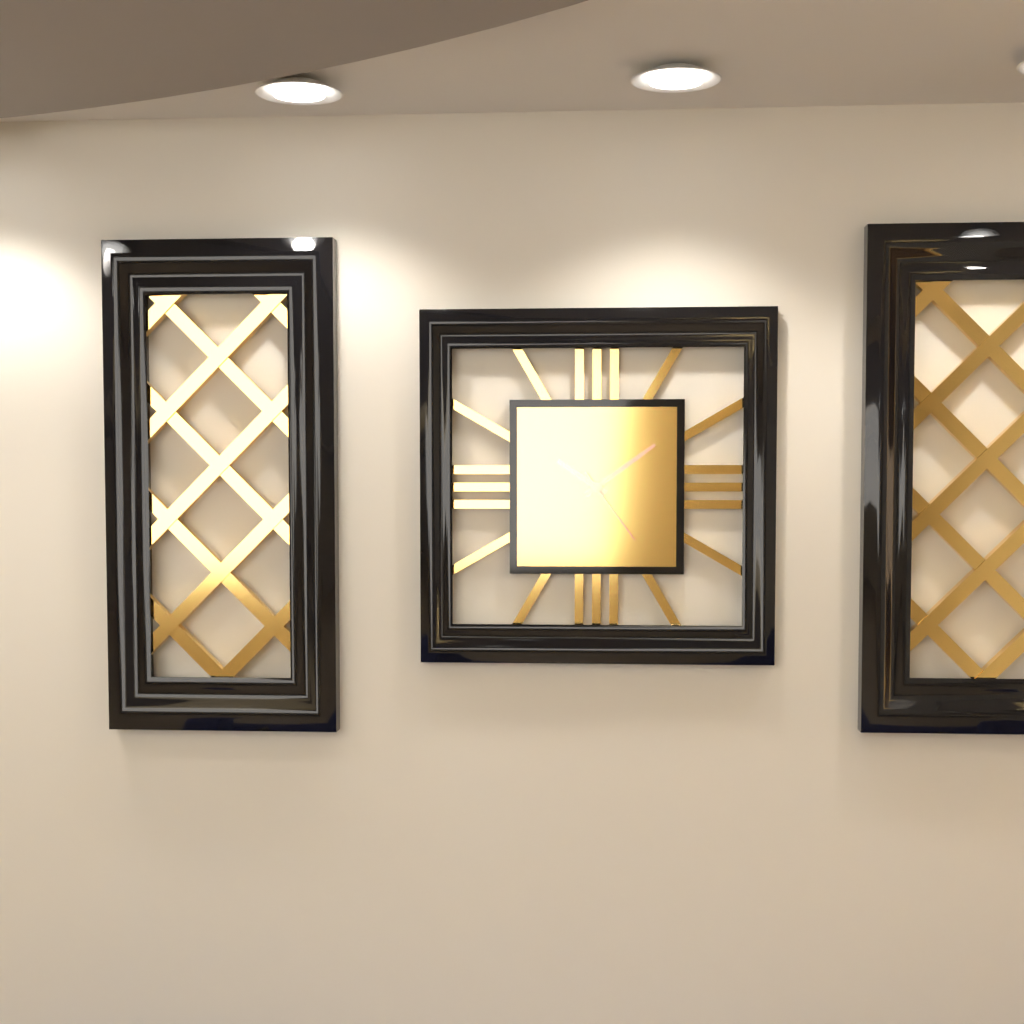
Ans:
**10:09:24**
